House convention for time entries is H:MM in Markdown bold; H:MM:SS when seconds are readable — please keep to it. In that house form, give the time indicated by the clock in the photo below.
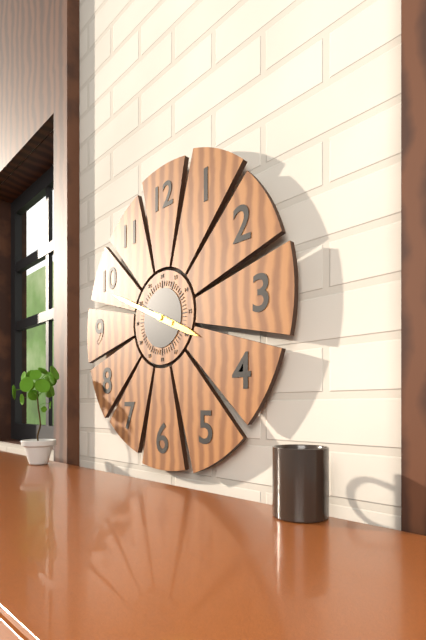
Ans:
**3:49**
